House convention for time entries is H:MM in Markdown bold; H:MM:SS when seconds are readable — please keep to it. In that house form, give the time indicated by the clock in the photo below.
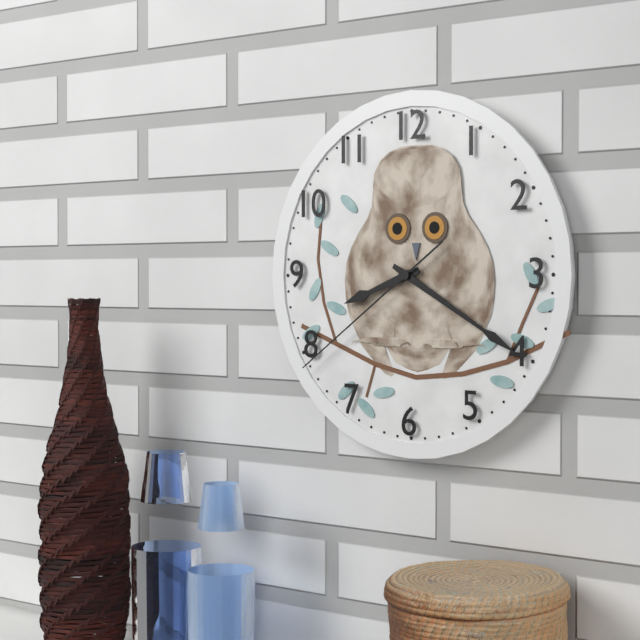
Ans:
**8:20:39**
